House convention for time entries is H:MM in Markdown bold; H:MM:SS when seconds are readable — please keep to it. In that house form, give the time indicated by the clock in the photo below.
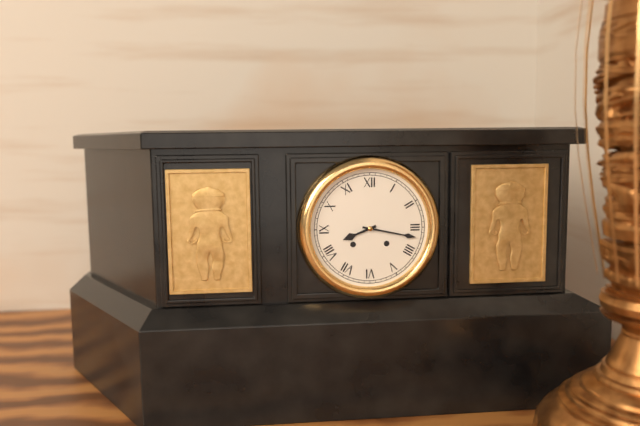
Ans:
**8:17**
